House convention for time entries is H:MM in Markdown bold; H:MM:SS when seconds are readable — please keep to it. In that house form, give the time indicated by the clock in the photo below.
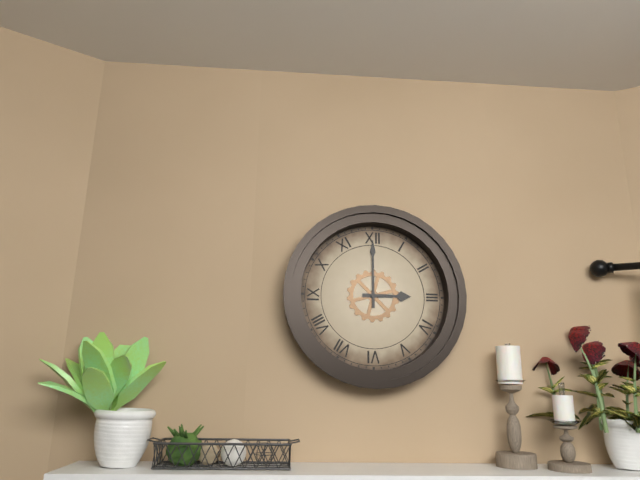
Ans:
**3:00**
